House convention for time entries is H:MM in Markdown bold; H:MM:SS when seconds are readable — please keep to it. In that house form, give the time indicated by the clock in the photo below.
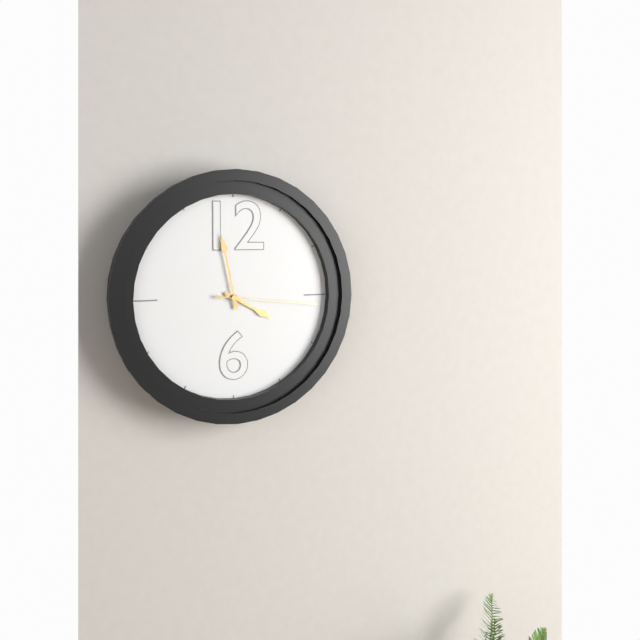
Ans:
**3:58:16**
